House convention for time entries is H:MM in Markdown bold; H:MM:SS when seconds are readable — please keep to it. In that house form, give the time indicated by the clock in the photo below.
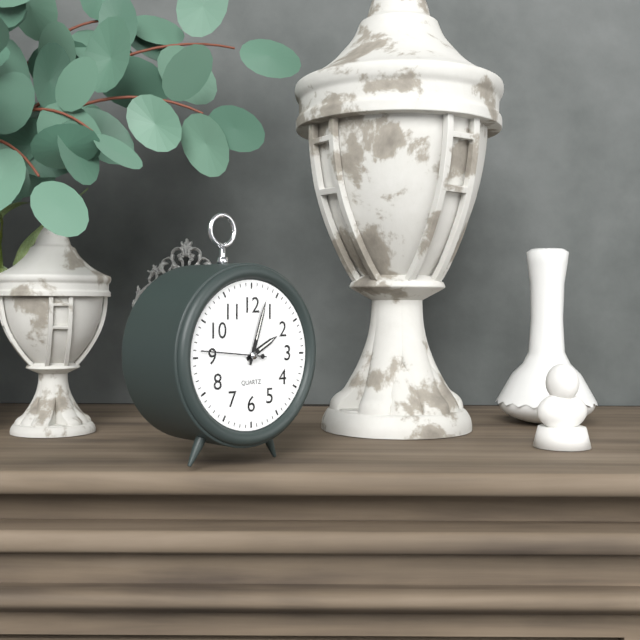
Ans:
**2:03:46**
